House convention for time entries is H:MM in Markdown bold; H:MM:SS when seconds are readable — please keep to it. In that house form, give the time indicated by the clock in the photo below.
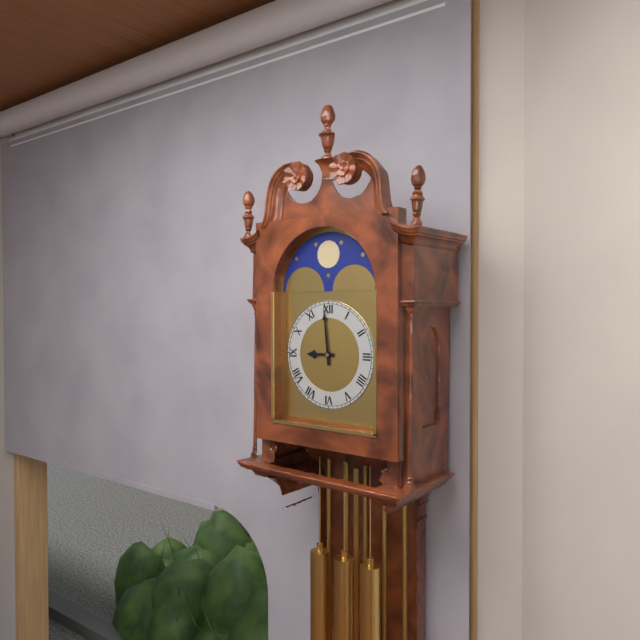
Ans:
**8:59**
